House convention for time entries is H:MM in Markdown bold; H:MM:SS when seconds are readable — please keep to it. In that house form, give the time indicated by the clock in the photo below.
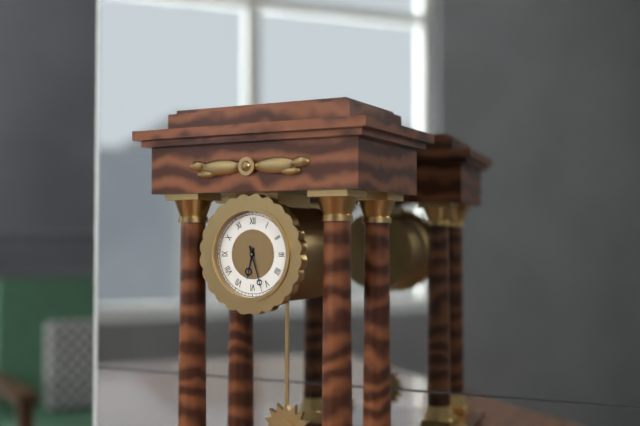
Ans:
**6:27**
